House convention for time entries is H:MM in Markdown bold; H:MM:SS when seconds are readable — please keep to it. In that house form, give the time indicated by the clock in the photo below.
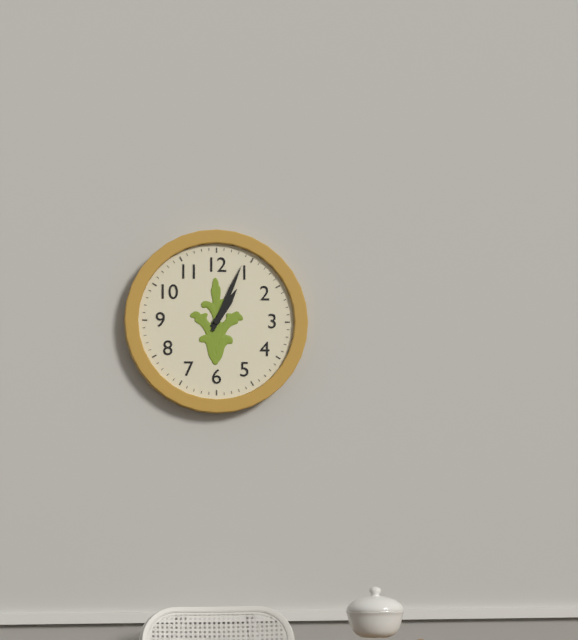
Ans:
**1:04**
